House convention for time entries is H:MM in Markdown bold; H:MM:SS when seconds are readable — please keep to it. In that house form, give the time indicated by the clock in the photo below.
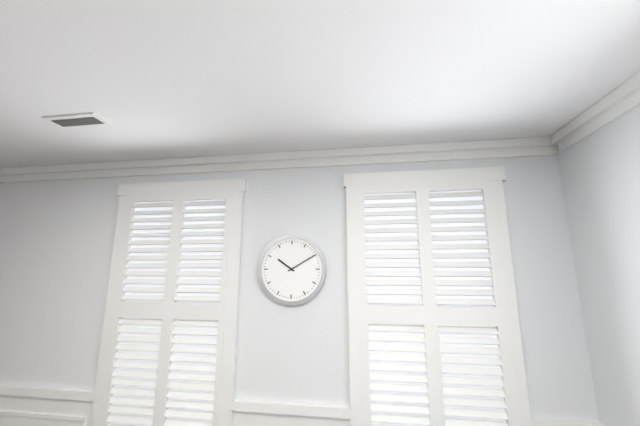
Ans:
**10:10**
